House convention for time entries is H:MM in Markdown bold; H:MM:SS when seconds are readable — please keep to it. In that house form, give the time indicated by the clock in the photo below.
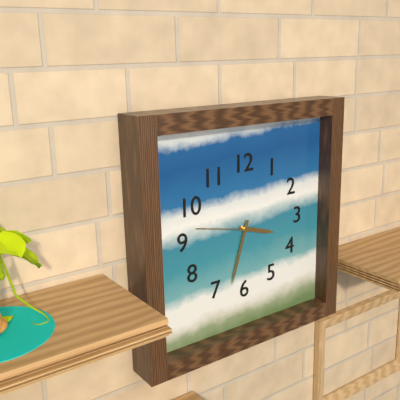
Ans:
**3:33:47**
